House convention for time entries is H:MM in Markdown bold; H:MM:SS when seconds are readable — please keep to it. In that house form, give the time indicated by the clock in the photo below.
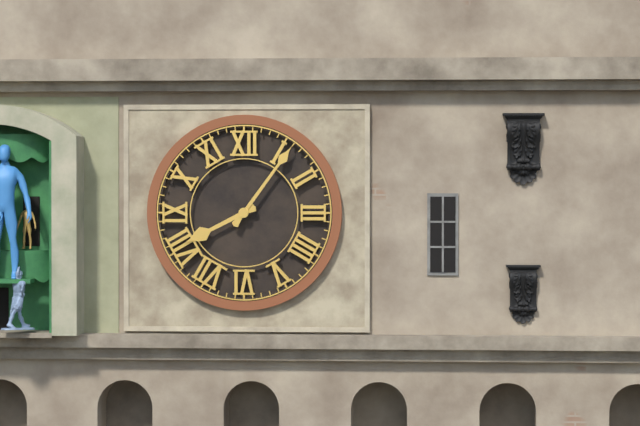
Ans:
**8:06**
